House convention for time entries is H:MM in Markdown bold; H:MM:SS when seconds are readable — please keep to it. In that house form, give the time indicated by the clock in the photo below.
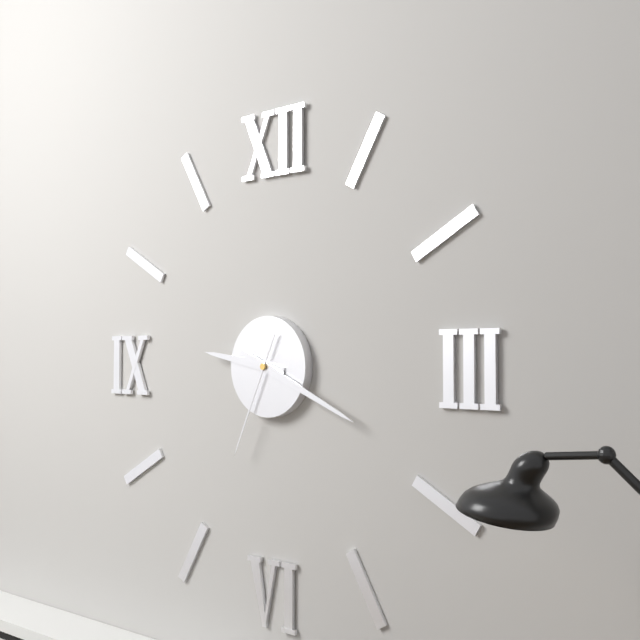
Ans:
**9:19:34**
